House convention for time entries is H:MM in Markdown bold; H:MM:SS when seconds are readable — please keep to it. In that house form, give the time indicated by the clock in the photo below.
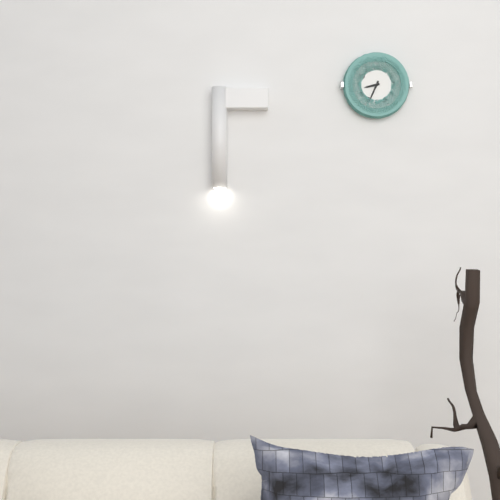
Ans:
**8:34**
